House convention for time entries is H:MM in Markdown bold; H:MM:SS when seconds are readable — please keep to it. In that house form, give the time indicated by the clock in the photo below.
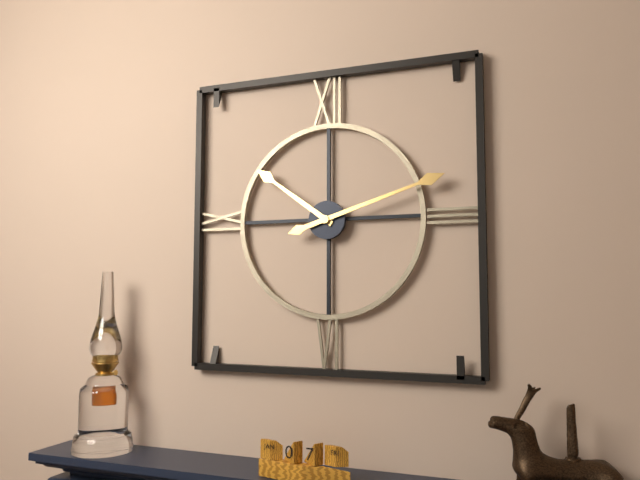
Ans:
**10:12**
